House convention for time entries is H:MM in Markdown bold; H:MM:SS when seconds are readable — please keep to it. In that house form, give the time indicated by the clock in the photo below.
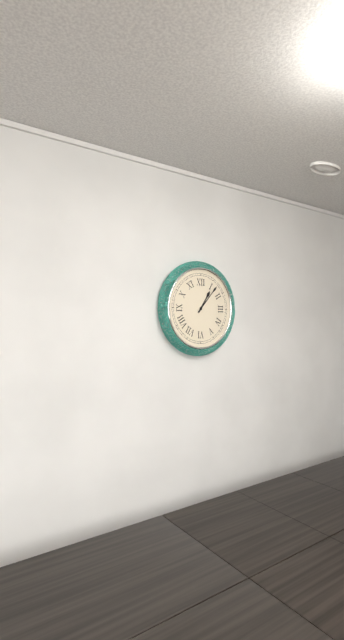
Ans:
**1:07**
